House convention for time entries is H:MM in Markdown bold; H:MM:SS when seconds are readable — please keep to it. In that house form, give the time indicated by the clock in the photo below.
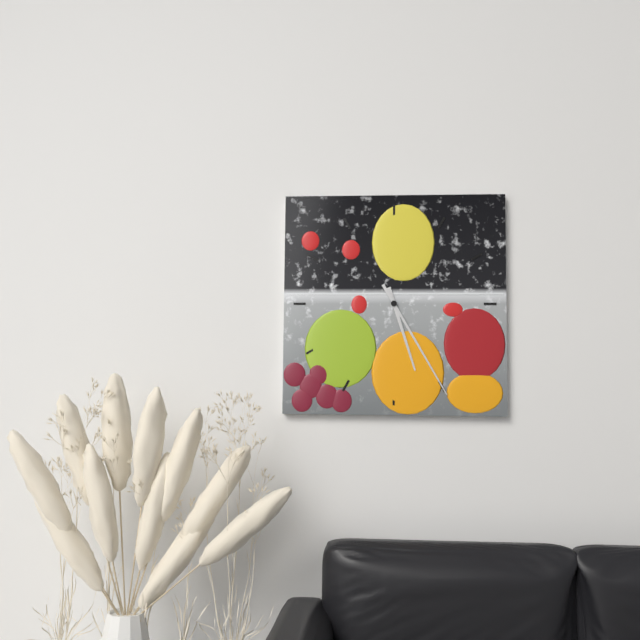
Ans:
**5:25**
